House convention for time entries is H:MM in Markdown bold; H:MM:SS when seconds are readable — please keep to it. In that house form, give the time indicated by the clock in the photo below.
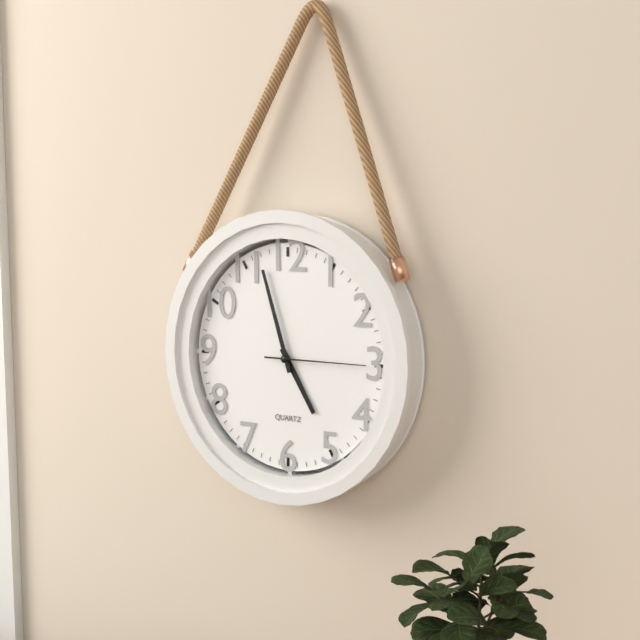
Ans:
**4:57:15**
